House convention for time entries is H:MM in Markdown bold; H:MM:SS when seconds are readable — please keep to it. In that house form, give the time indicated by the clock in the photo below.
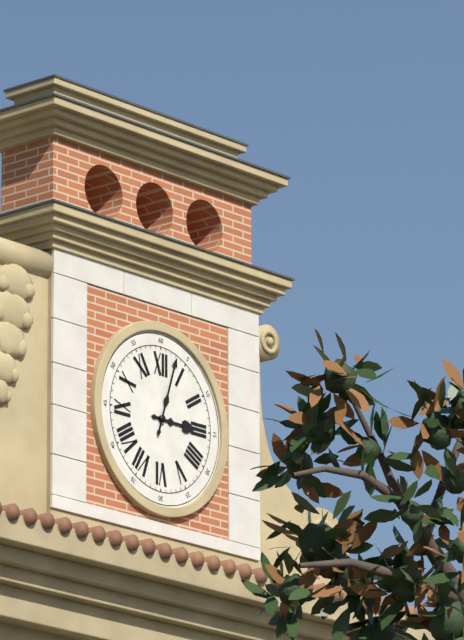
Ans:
**3:03**
